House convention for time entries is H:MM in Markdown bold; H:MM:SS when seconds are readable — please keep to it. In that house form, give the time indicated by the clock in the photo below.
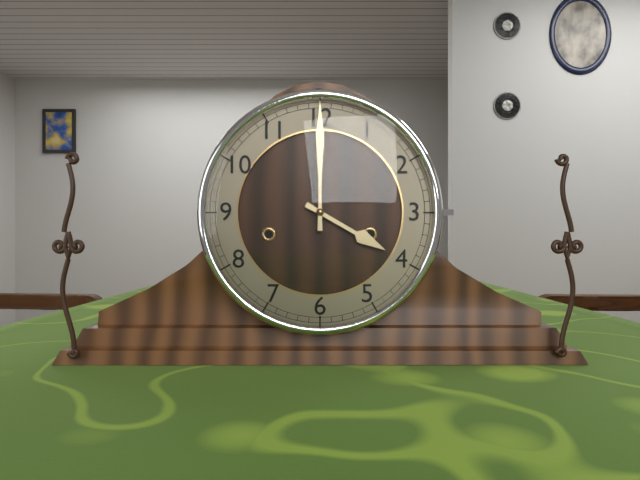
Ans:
**4:00**
